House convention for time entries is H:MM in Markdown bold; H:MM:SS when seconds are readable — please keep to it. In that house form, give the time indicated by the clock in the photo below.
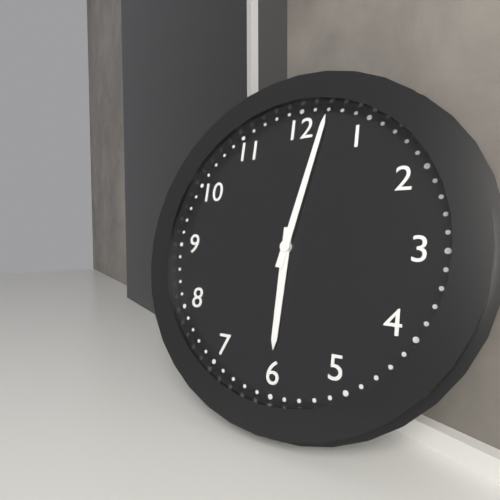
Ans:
**6:02**
